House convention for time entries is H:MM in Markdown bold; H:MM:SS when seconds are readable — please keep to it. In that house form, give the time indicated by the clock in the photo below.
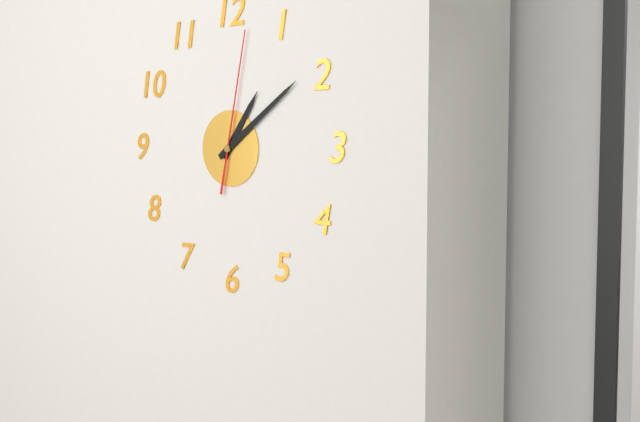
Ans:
**1:09:02**
